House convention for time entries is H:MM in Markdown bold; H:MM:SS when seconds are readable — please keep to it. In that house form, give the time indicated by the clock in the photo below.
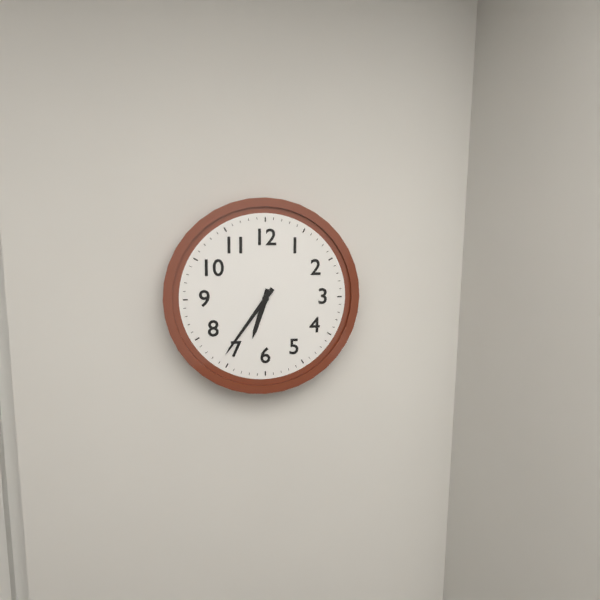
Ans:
**6:36**
